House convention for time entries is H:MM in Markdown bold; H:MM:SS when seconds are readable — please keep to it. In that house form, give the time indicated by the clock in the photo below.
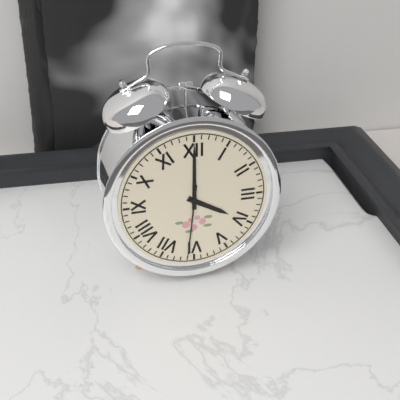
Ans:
**4:00:31**
